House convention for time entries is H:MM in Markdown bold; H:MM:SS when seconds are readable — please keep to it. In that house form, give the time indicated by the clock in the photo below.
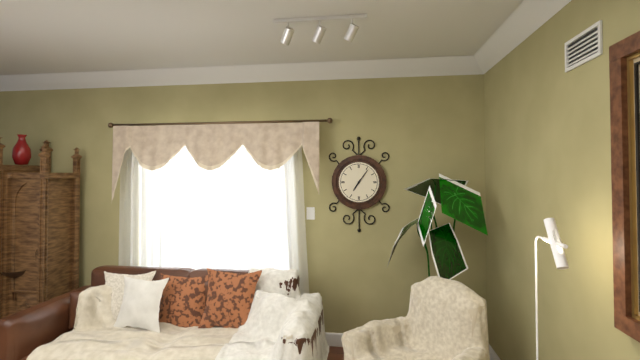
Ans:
**7:06**
